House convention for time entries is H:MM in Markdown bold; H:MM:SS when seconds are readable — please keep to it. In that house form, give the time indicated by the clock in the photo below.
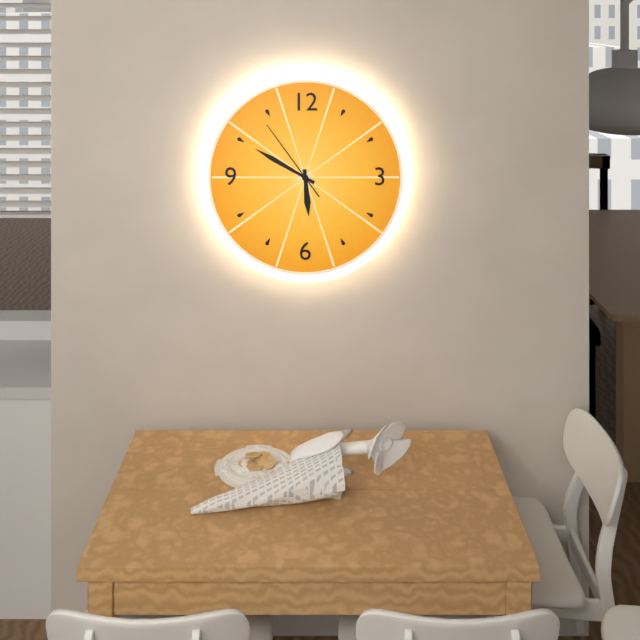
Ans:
**5:50:54**
